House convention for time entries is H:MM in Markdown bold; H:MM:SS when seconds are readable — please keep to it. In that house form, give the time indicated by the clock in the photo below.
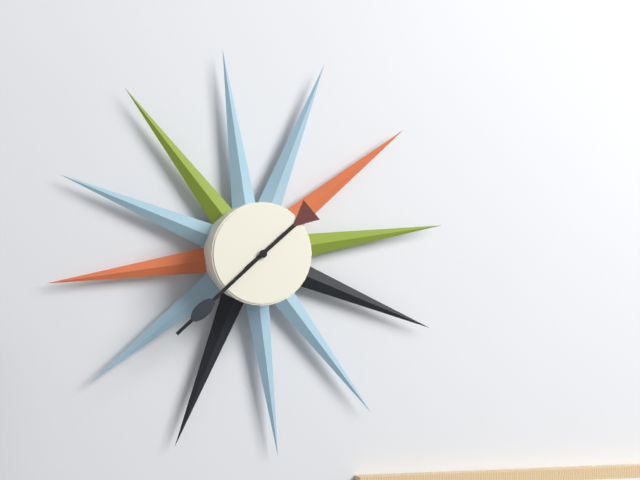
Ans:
**1:38**
